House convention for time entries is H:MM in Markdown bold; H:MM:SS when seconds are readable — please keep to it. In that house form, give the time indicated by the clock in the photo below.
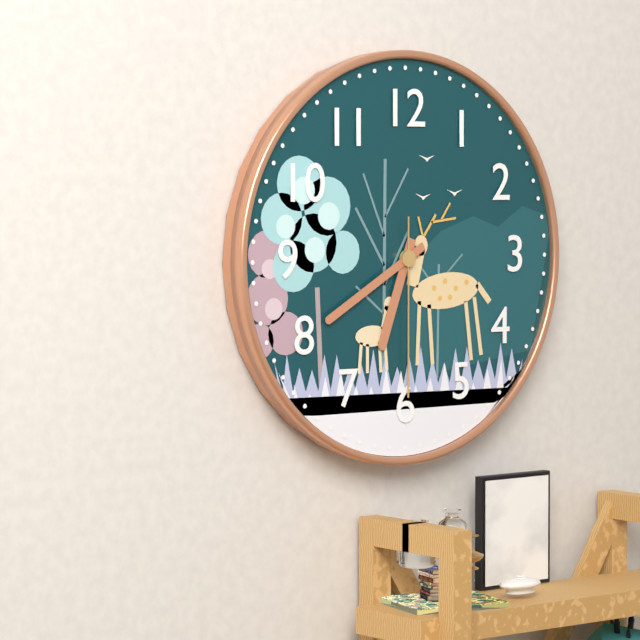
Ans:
**6:40:30**
